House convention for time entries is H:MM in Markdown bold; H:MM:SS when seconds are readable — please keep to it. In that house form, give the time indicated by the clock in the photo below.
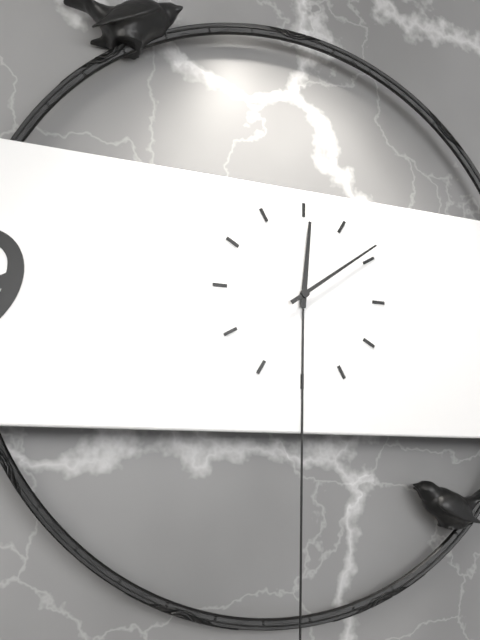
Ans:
**12:09**
